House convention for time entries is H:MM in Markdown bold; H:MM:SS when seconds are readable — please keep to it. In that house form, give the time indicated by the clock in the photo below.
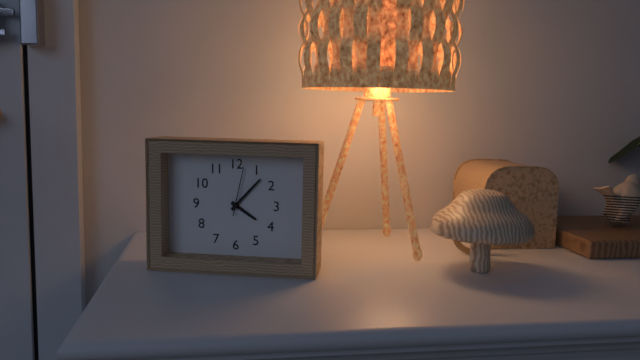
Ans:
**4:07**
